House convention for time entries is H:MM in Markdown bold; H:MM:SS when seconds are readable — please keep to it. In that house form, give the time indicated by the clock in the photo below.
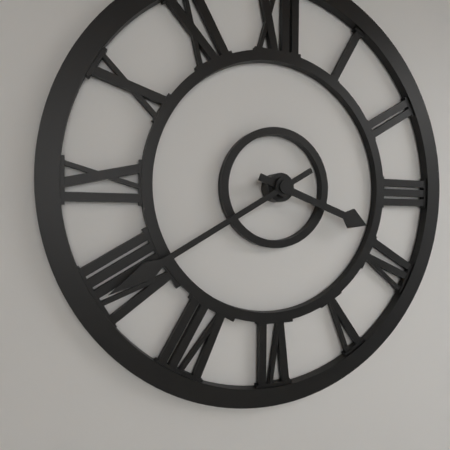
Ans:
**3:40**
